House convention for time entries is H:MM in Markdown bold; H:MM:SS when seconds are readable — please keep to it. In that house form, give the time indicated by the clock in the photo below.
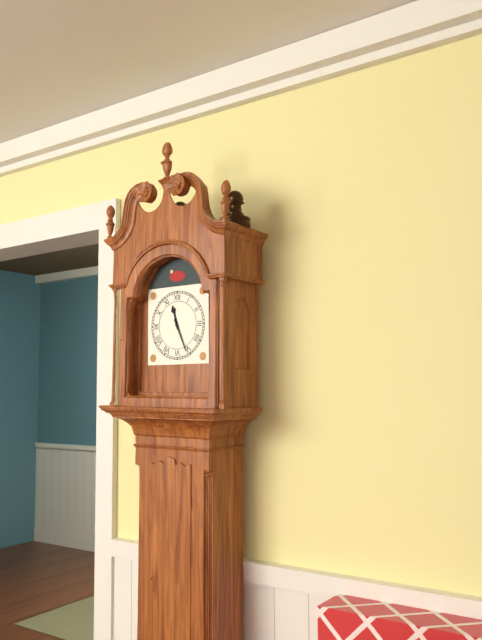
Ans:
**11:26**
